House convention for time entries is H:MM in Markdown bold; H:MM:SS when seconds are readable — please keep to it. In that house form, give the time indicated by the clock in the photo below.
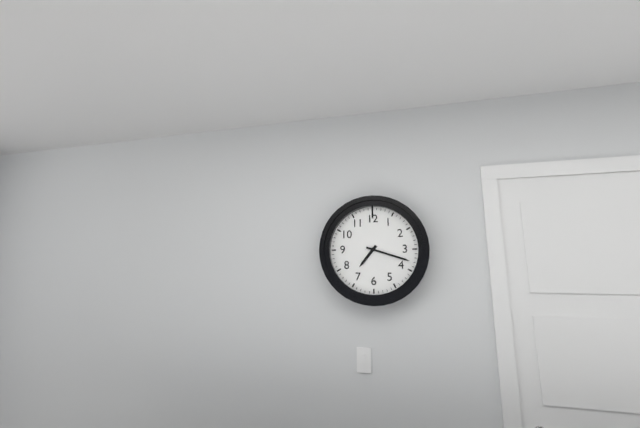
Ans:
**7:18**
